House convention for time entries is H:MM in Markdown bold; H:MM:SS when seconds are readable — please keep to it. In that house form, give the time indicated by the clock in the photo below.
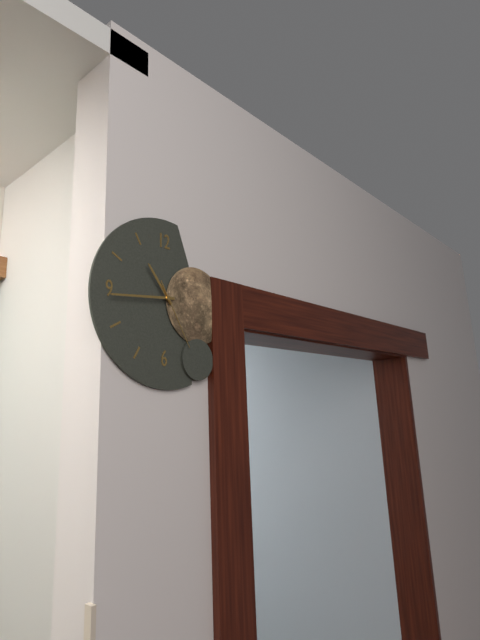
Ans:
**10:44:25**
